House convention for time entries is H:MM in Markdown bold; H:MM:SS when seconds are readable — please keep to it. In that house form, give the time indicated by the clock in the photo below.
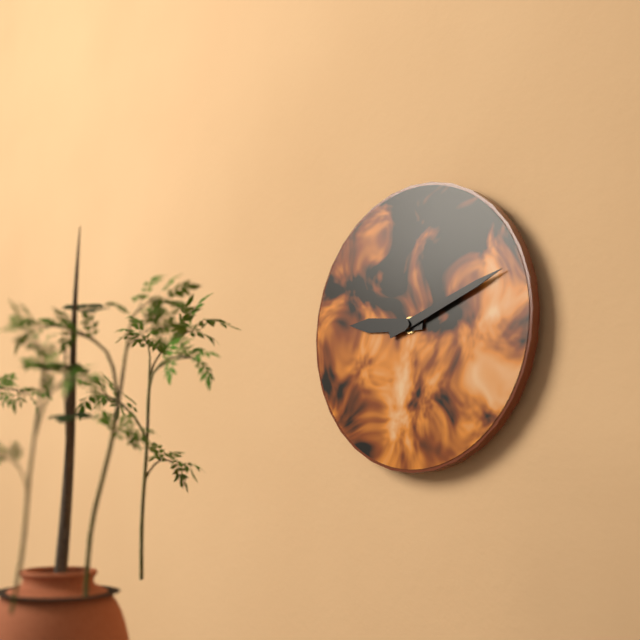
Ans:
**9:12**
